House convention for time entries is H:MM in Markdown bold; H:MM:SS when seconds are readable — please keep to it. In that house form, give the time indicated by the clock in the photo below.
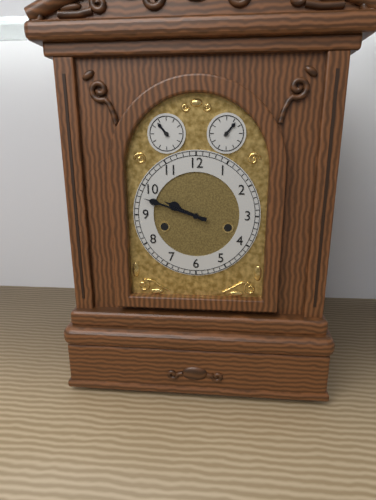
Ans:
**9:48**
